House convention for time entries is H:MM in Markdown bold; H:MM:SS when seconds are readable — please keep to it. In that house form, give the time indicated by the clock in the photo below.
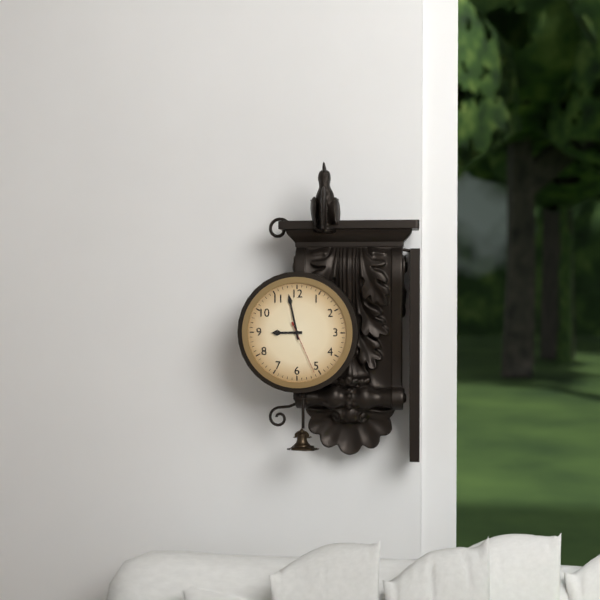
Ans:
**8:58:26**
